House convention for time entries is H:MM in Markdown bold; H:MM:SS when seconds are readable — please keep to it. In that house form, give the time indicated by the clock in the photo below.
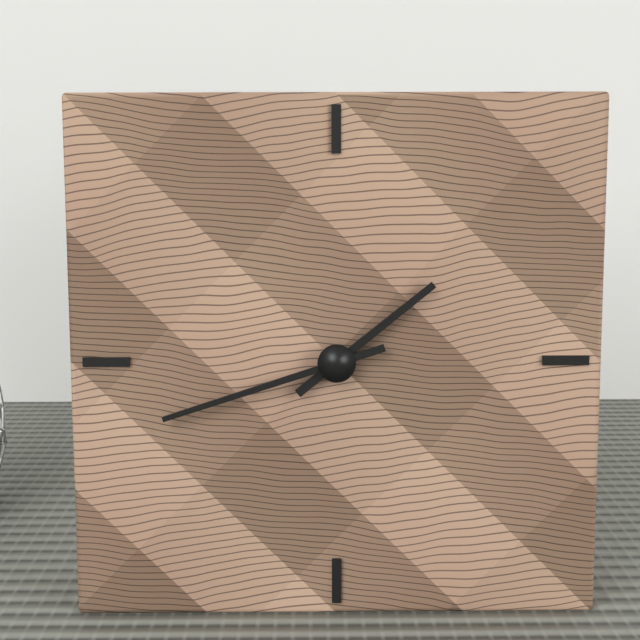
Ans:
**1:42**
